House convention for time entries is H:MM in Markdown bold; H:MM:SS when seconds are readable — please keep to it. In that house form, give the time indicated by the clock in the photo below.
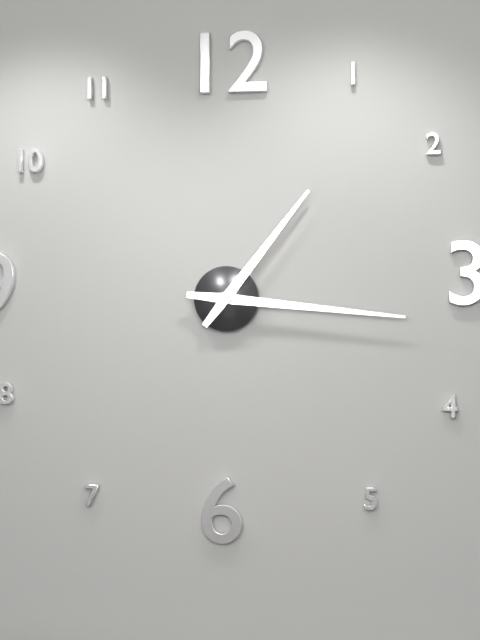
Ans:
**1:16**
